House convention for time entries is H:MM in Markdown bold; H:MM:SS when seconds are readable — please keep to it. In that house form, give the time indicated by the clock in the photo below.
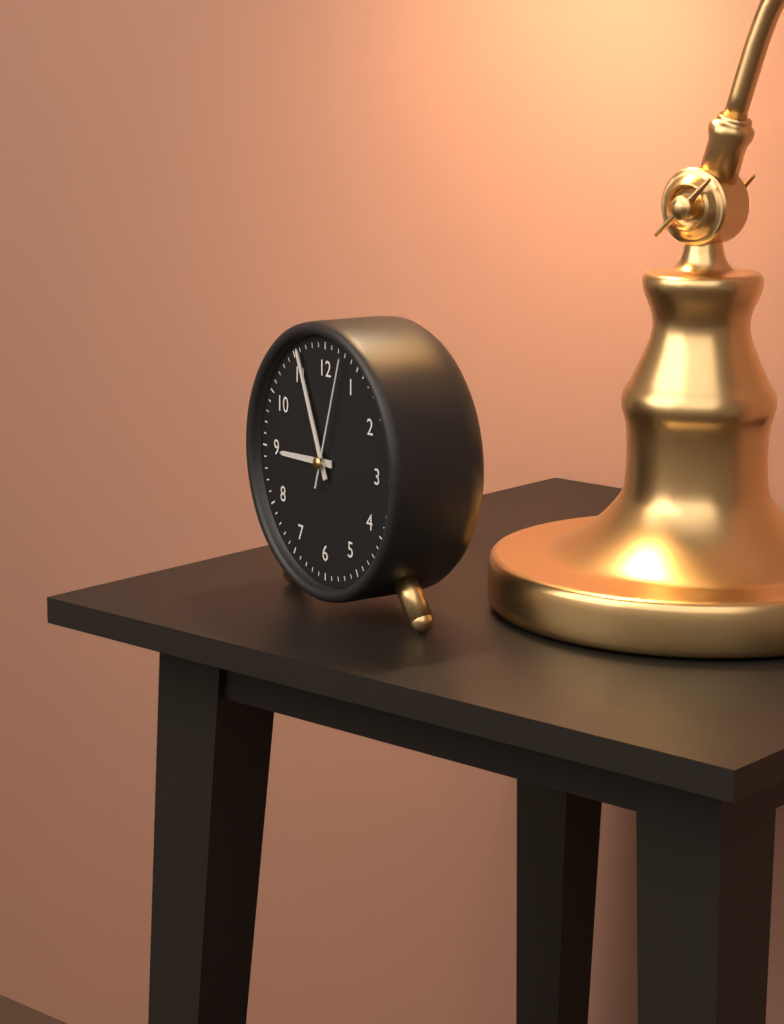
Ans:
**8:56:03**
